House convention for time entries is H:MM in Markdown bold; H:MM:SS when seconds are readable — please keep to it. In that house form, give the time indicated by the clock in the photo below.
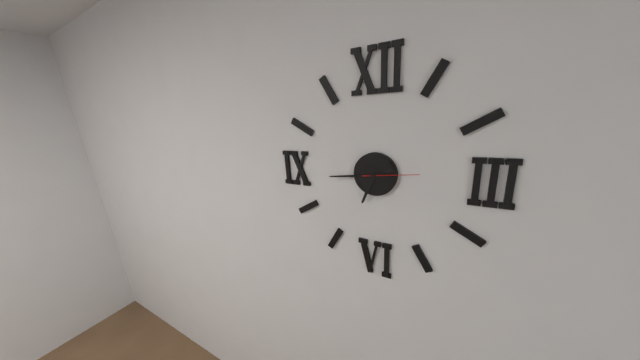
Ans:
**6:44:14**
